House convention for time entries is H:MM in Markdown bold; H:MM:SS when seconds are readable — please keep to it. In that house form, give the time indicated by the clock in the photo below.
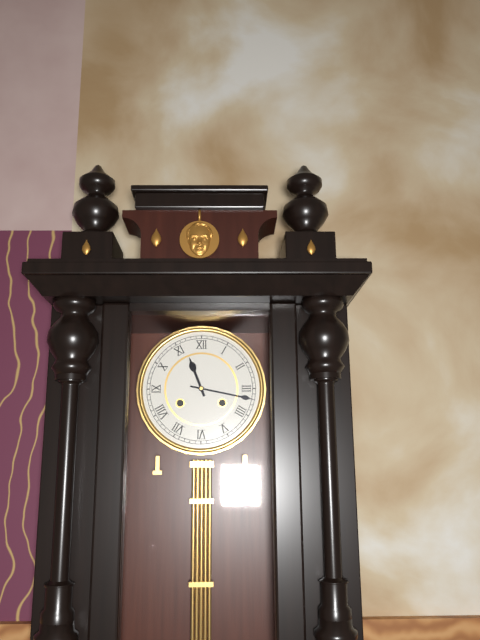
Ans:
**11:17**
